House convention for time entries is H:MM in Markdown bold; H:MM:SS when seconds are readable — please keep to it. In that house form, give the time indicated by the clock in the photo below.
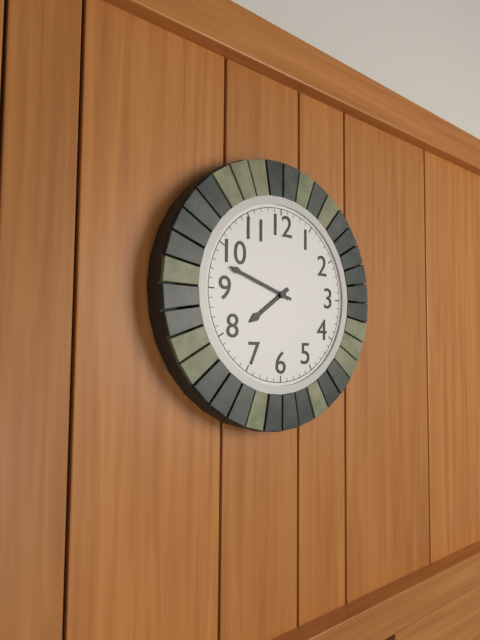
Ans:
**7:48**
